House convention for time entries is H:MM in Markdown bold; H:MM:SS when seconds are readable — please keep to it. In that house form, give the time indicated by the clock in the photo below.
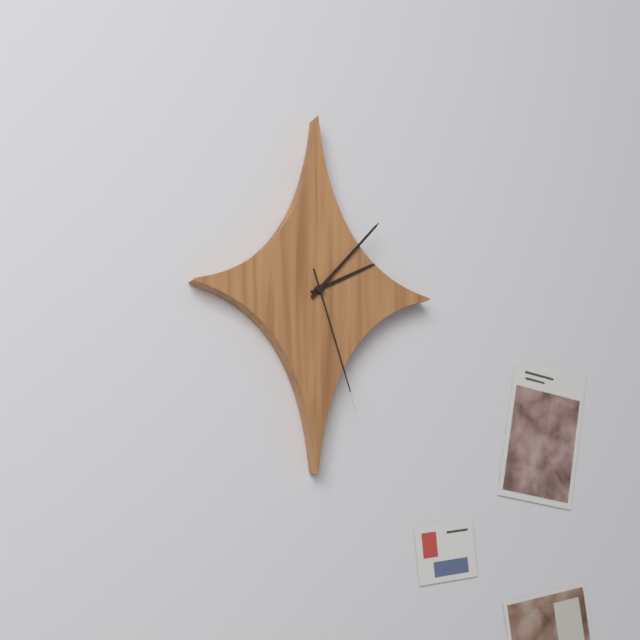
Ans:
**2:07:27**
